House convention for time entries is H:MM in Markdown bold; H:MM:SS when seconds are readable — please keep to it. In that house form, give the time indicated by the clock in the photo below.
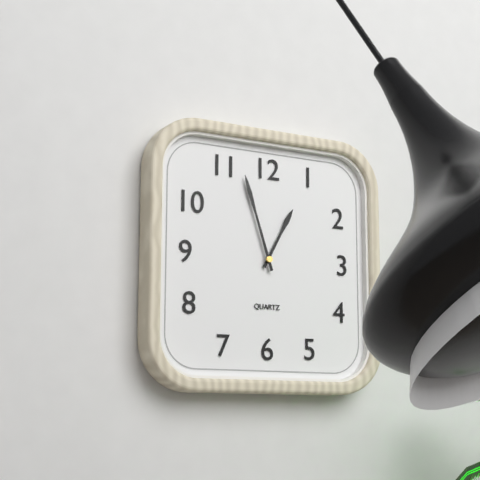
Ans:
**12:57**
